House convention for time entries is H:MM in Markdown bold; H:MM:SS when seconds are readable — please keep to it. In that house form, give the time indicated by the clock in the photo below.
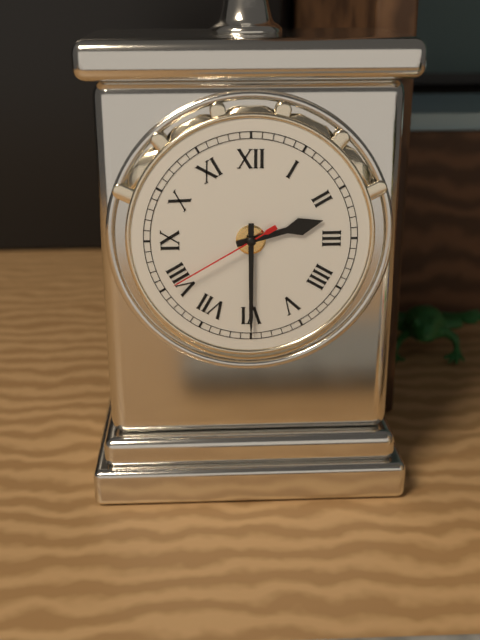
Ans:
**2:30:40**
